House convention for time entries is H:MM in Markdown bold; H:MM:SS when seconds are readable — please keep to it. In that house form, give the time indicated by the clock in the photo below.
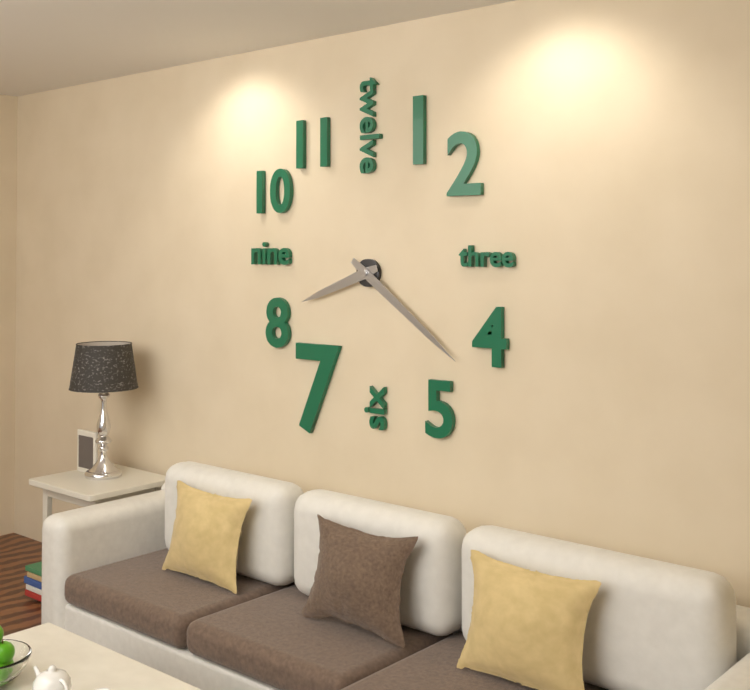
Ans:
**8:21**
